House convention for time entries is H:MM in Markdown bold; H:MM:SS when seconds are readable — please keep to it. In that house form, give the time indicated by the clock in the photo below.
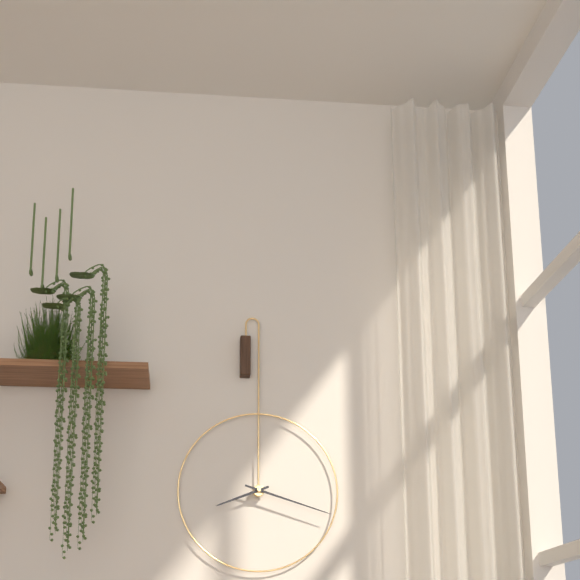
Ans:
**8:18**
